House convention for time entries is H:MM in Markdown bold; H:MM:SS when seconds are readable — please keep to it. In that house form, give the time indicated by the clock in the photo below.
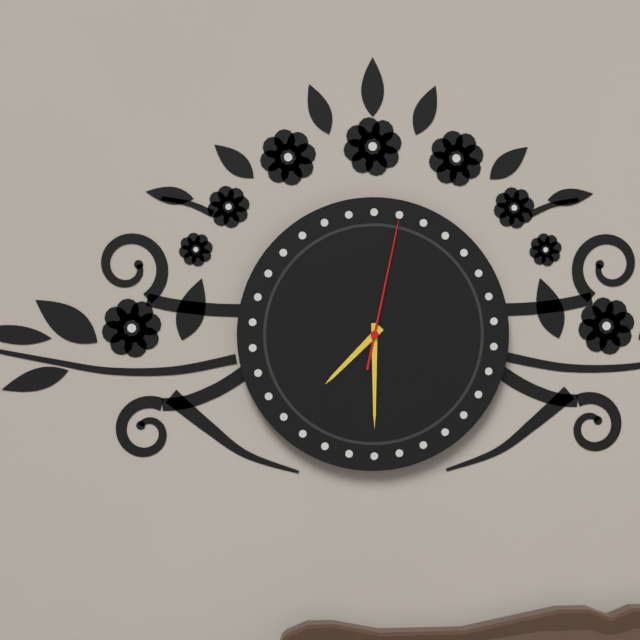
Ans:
**7:30:02**
